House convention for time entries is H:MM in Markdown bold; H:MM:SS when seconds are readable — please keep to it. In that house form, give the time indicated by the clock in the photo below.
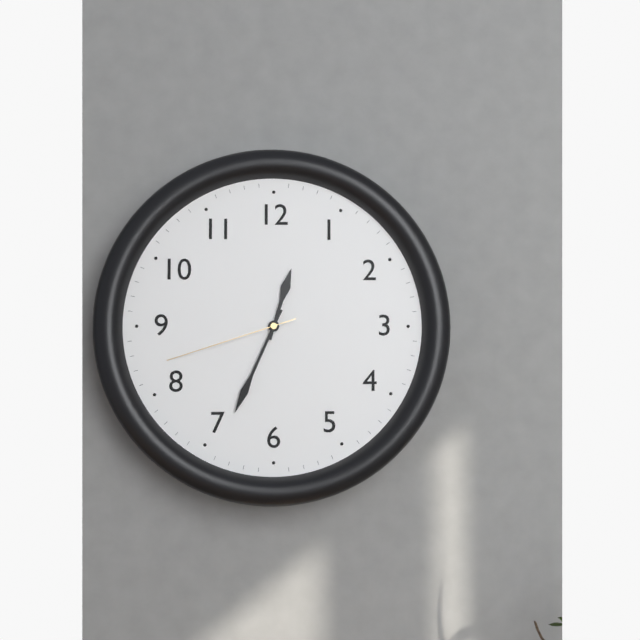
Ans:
**12:34:42**
